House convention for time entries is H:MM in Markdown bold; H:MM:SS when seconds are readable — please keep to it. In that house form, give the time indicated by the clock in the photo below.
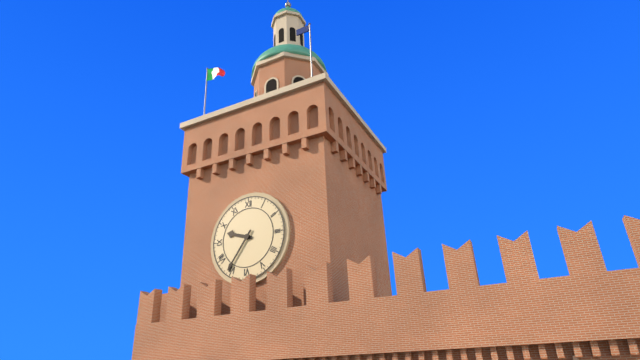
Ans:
**9:36**
